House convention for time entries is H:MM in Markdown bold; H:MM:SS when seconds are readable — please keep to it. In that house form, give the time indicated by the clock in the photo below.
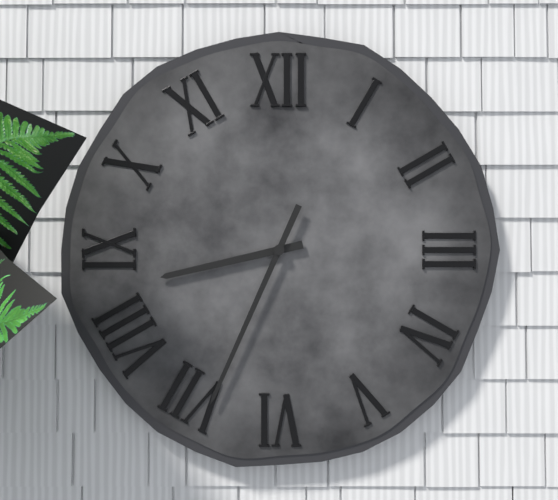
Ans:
**8:34**
